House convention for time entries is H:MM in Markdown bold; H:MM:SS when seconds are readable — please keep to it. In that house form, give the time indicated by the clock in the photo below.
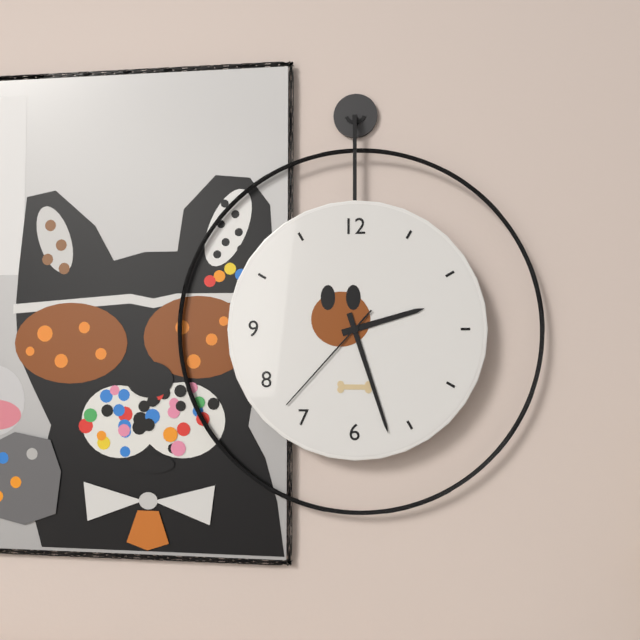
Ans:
**2:27:37**
